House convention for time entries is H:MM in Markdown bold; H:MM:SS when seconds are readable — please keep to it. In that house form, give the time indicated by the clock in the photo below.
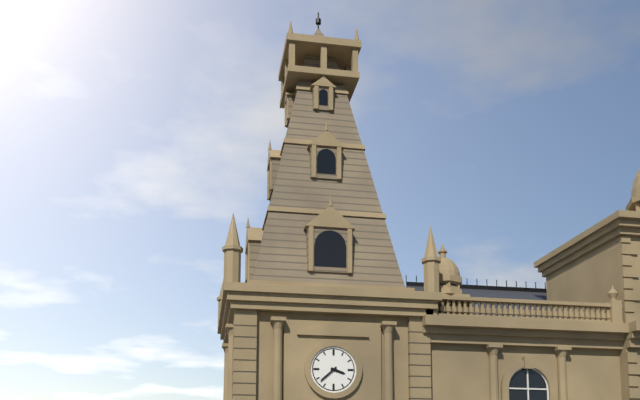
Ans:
**3:38**
